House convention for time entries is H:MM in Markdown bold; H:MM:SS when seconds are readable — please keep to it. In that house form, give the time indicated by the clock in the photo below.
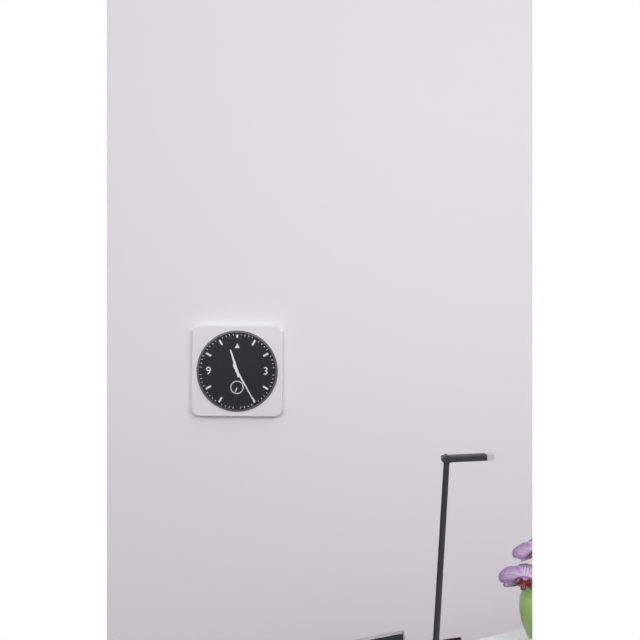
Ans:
**11:25**
